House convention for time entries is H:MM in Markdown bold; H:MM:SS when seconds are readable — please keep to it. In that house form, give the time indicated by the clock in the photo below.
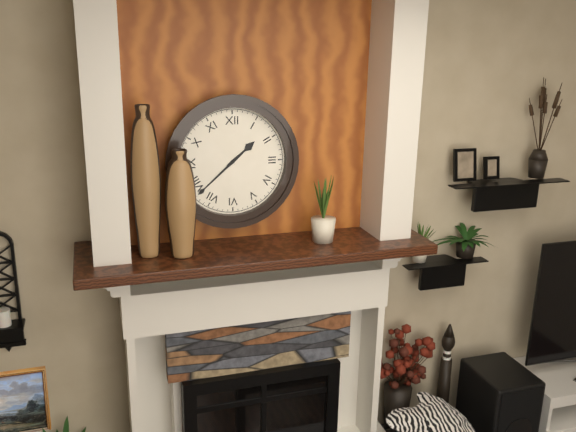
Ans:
**1:38**
